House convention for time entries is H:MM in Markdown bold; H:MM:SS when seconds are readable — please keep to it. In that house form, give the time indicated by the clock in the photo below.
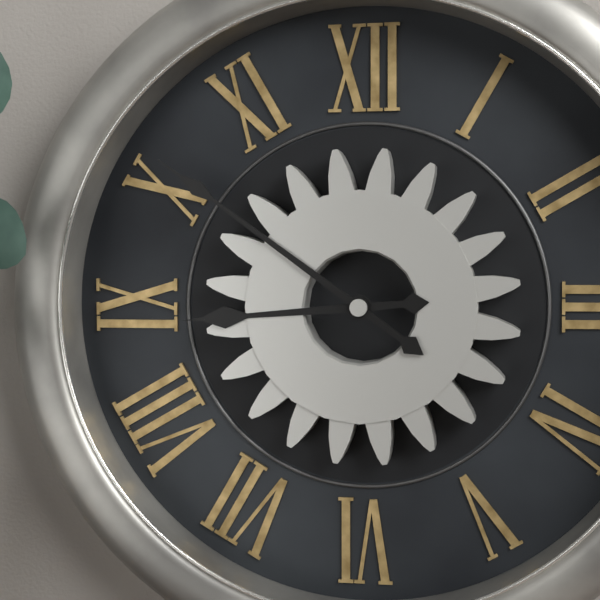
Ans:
**8:51**
